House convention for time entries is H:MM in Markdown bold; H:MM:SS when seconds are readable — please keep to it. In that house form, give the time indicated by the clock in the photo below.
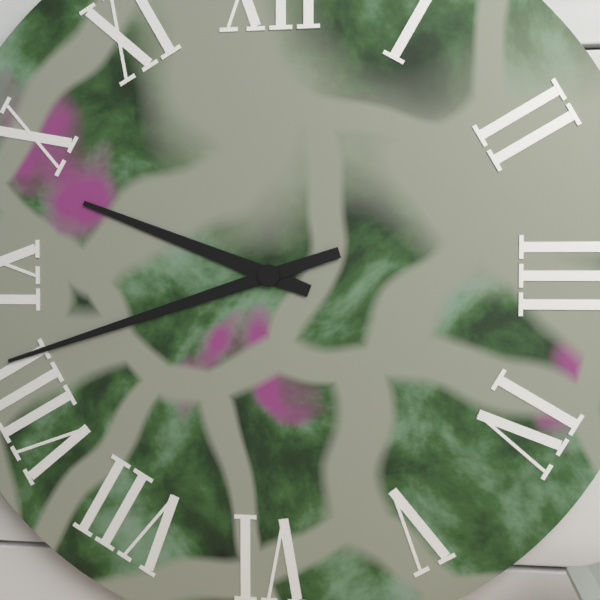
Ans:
**9:42**
